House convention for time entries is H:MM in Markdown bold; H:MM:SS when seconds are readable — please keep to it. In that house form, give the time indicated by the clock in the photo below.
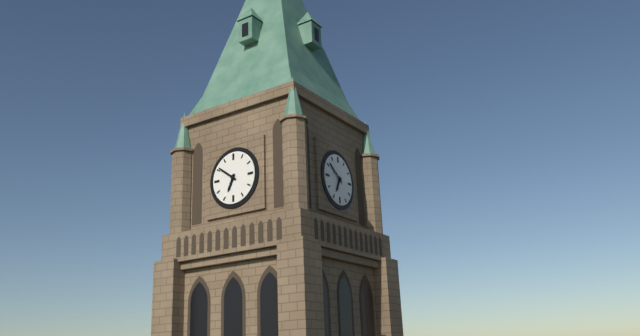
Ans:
**6:51**
